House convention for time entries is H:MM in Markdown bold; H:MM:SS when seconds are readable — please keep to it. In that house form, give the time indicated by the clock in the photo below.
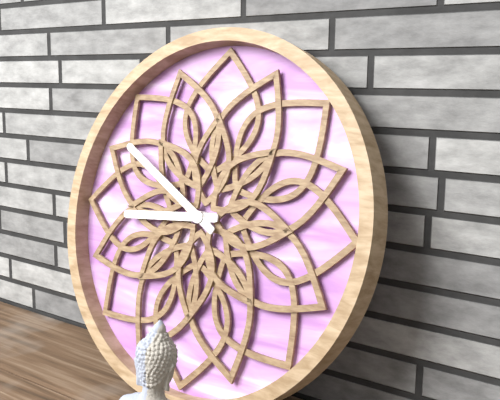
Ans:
**8:50**
